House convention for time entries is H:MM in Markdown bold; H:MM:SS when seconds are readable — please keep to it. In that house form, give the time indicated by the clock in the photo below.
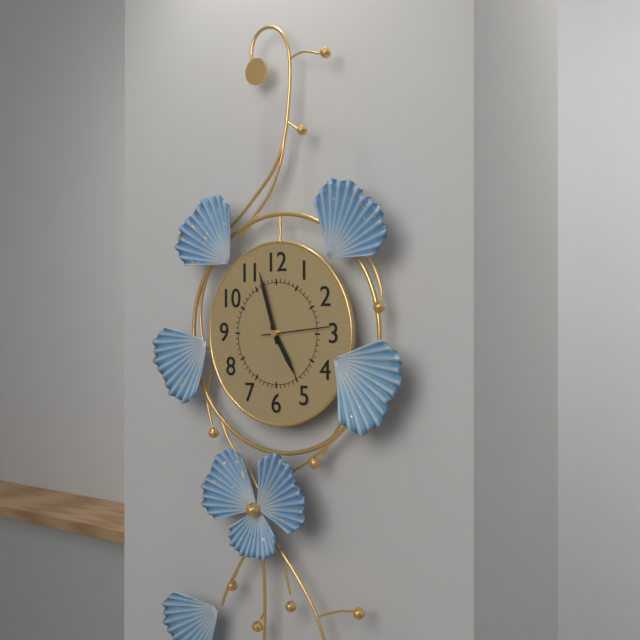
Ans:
**4:57:14**
